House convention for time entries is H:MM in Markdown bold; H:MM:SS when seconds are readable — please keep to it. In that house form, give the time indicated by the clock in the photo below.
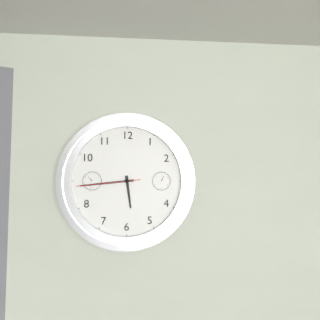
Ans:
**5:44:44**
